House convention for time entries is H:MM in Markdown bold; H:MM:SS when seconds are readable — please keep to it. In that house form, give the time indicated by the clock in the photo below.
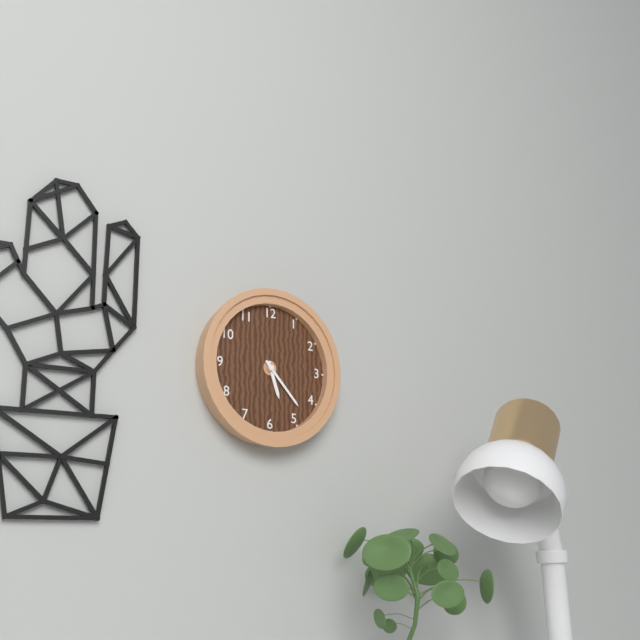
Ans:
**5:23**
